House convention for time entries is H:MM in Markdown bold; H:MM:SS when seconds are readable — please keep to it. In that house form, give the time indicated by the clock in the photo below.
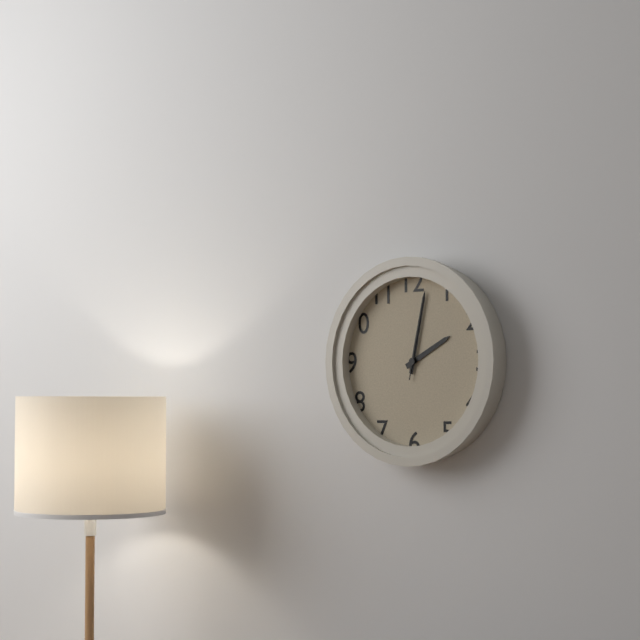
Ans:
**2:02:02**
